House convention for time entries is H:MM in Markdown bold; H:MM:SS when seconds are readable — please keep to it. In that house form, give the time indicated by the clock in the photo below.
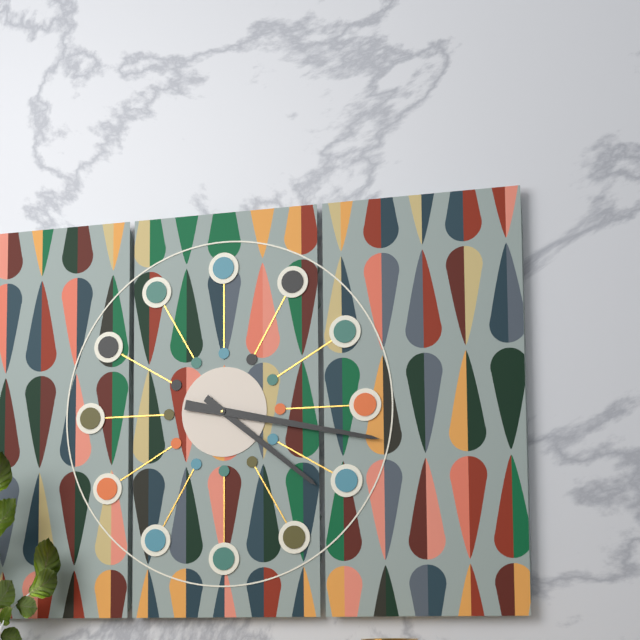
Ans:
**4:17**
